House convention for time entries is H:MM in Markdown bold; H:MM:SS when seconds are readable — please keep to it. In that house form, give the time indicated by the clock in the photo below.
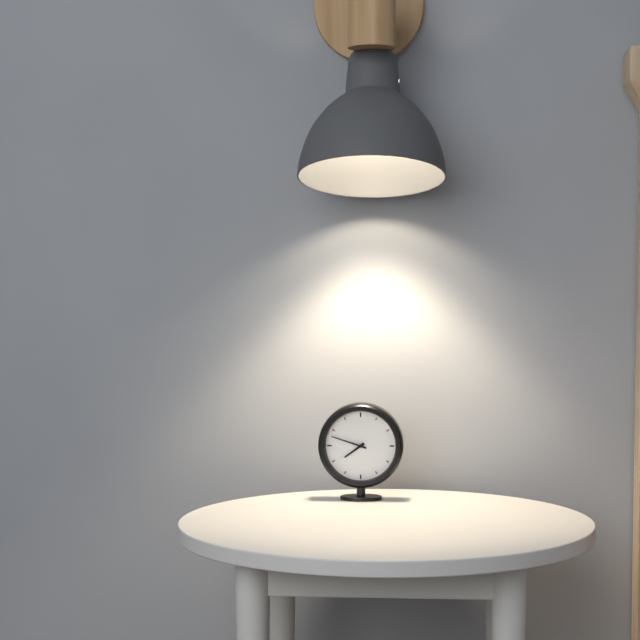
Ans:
**7:48**
